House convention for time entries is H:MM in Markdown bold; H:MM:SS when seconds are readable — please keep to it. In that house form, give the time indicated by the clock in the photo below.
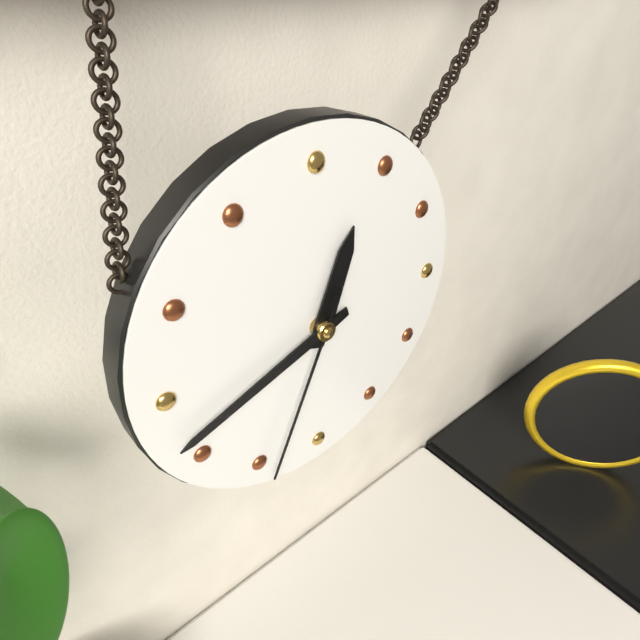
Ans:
**12:42:34**
